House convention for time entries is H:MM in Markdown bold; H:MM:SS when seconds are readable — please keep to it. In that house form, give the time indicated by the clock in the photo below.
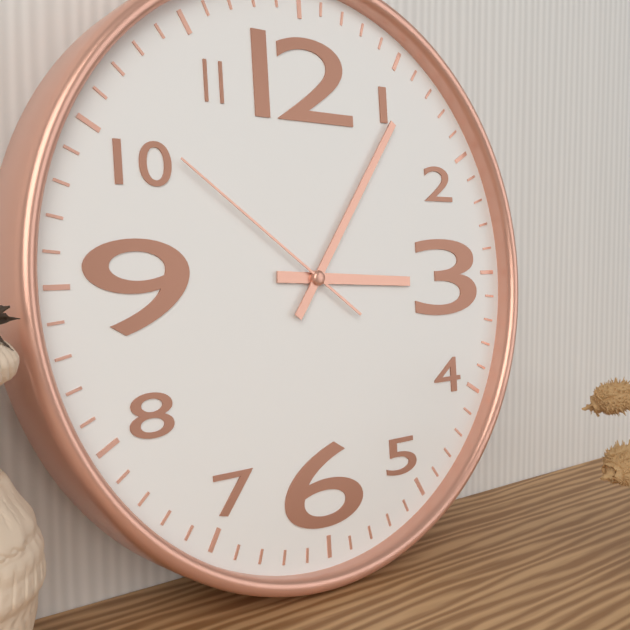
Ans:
**3:06:51**
